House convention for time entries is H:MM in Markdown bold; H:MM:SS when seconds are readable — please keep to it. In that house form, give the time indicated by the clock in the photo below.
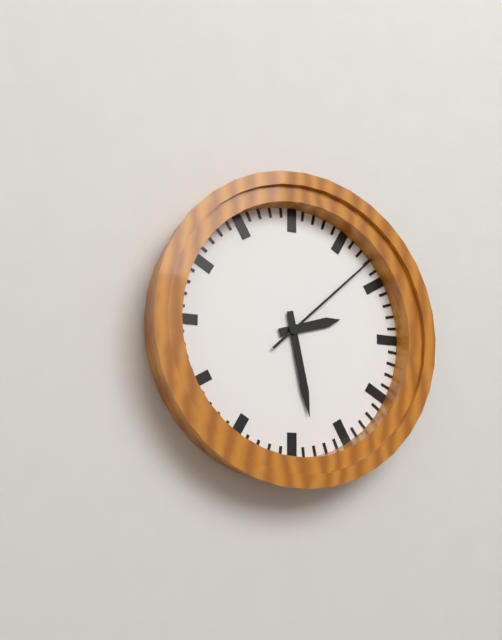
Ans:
**2:28:08**
